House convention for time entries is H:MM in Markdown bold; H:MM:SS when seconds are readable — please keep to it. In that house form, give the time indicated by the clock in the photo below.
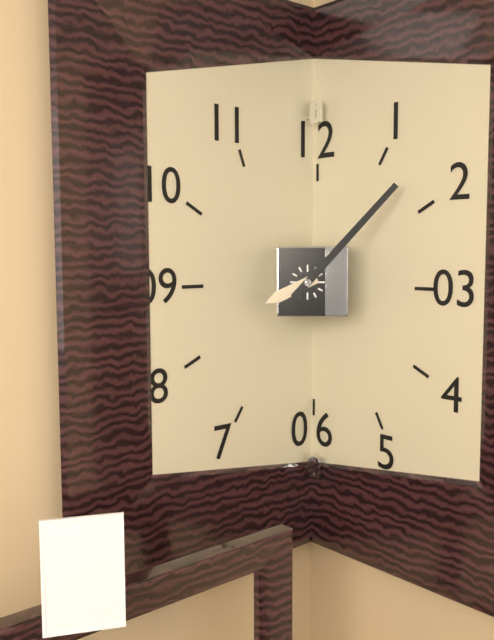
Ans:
**8:07**
